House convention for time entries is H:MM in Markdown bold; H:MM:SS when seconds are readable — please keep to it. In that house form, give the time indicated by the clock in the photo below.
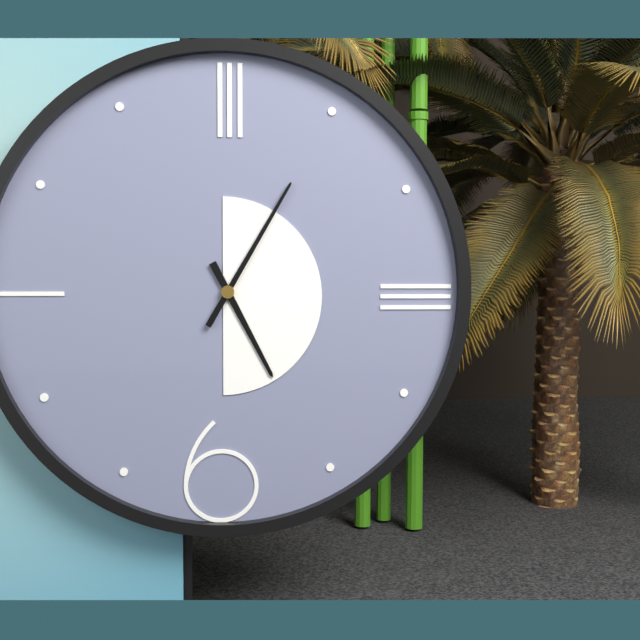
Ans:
**5:05**
